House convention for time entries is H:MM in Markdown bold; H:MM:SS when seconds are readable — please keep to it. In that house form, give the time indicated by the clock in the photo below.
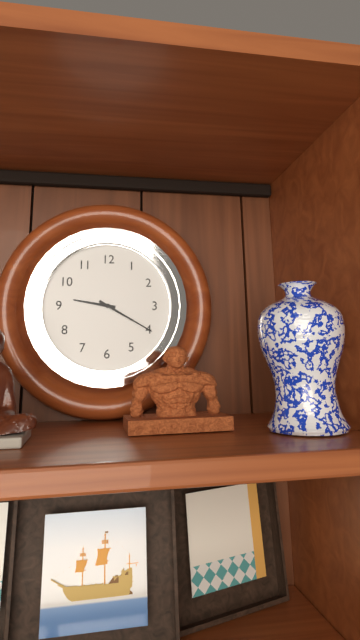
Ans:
**9:20**
